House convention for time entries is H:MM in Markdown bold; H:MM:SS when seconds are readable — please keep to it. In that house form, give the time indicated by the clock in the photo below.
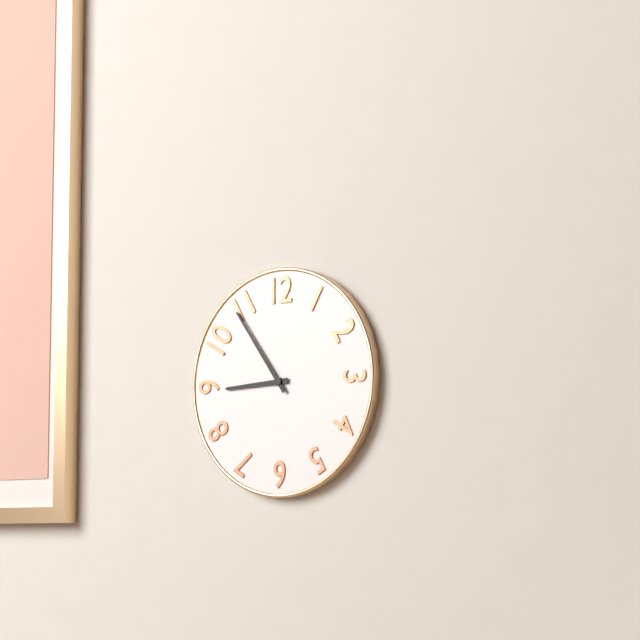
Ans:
**8:54**
